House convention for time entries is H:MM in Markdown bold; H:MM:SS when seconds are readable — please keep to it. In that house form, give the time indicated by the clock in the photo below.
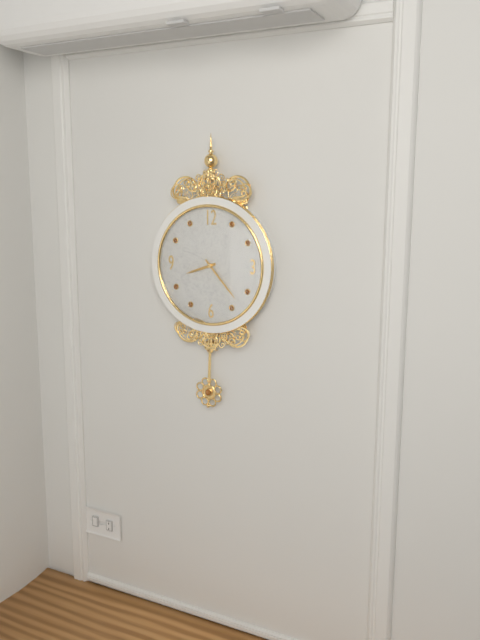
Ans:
**8:23**
